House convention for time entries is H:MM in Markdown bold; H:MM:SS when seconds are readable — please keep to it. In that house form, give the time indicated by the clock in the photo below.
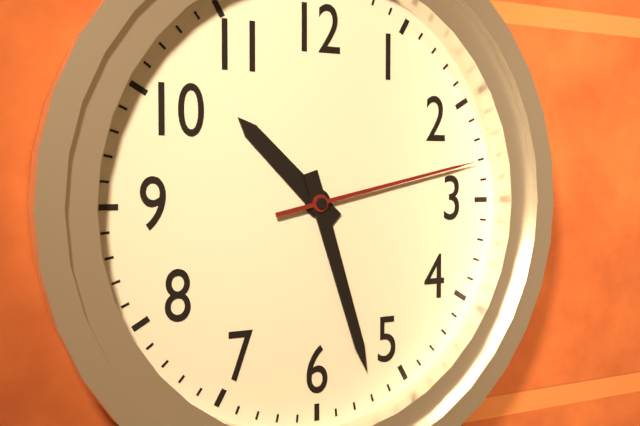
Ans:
**10:27:13**
